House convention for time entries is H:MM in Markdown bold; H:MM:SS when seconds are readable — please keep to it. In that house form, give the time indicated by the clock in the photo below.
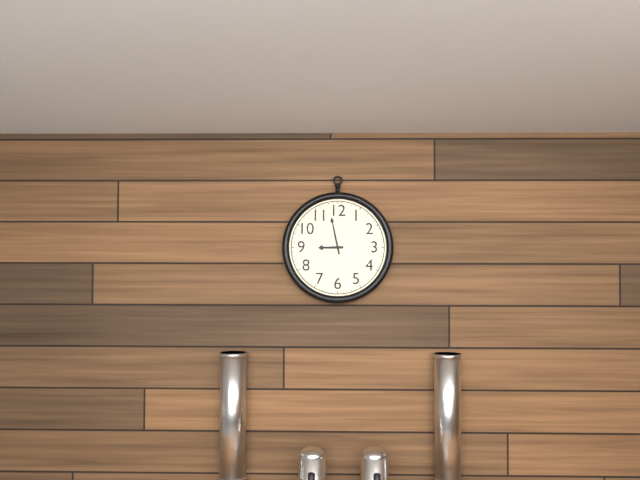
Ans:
**8:58**
